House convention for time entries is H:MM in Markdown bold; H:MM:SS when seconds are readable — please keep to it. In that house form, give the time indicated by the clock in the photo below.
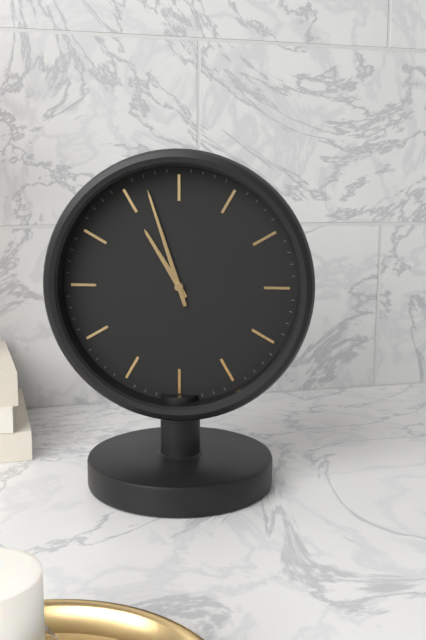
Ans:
**10:57**
